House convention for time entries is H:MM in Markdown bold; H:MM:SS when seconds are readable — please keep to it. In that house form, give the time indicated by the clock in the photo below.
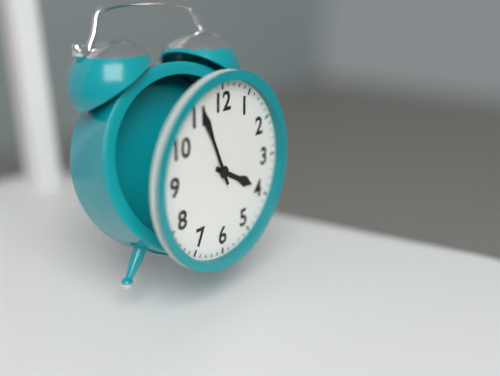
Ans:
**3:56**
